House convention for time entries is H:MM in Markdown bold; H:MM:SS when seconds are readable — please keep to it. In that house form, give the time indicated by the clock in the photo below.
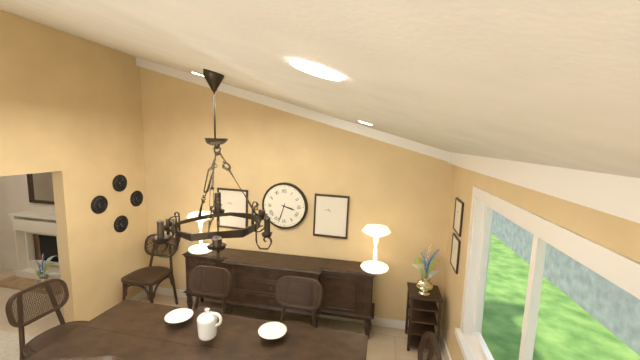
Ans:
**3:33**
